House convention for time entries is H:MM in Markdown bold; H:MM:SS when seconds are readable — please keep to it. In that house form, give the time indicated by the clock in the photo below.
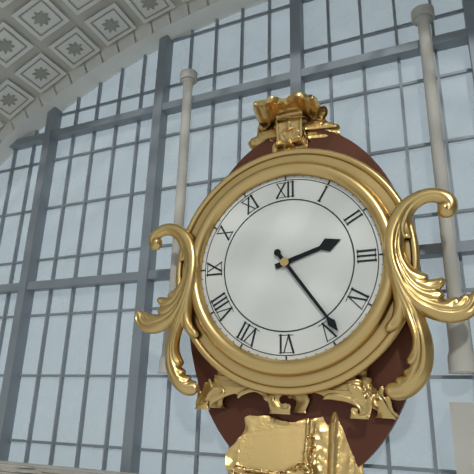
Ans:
**2:24**
